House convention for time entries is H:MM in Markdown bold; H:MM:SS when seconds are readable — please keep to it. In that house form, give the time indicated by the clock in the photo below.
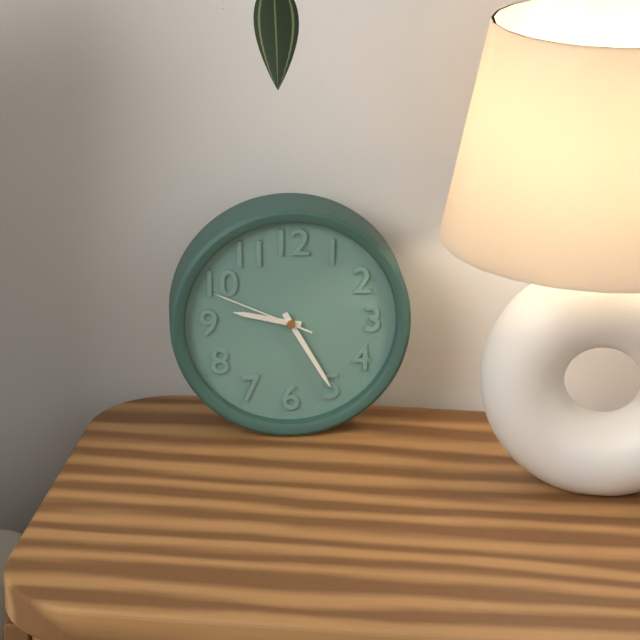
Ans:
**9:25:49**
